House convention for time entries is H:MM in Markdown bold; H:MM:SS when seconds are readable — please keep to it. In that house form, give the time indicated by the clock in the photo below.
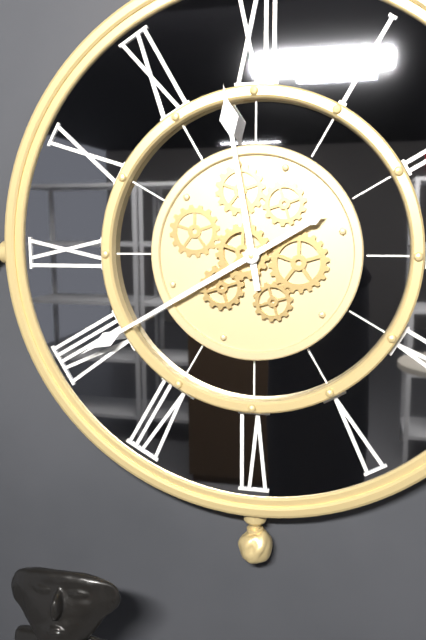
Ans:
**11:40**
